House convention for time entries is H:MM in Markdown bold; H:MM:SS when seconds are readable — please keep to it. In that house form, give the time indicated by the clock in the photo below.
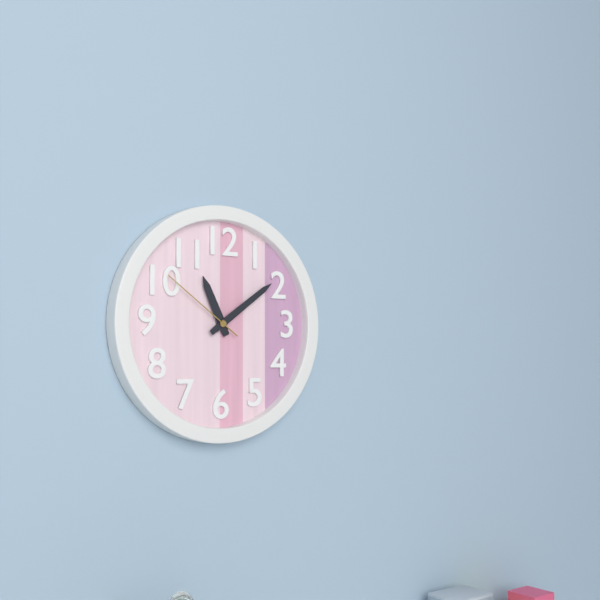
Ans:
**11:09:51**
